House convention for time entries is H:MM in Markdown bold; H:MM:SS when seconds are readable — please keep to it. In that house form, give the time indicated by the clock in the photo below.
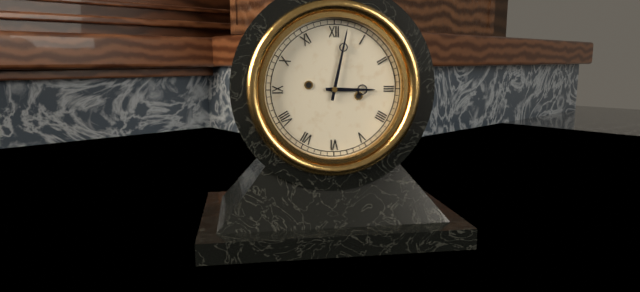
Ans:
**3:02**
